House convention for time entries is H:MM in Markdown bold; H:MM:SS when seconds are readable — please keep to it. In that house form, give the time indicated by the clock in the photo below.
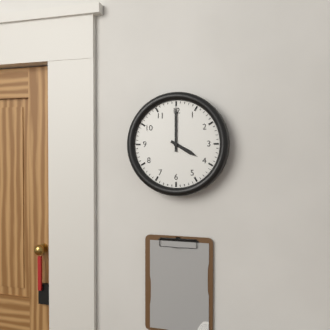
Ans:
**4:00**
